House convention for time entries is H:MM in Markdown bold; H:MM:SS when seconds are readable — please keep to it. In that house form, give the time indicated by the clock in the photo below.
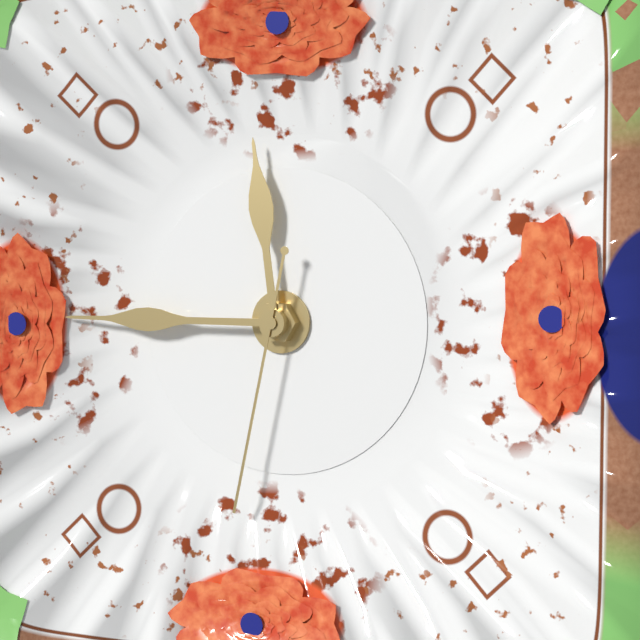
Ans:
**11:45:32**
